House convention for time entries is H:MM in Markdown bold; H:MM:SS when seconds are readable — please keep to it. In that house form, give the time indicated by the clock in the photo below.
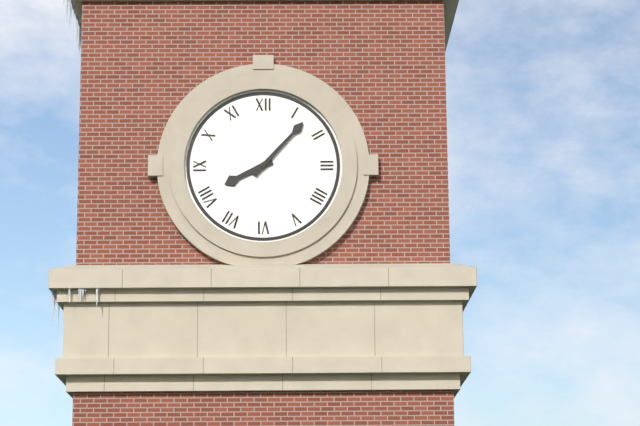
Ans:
**8:07**
